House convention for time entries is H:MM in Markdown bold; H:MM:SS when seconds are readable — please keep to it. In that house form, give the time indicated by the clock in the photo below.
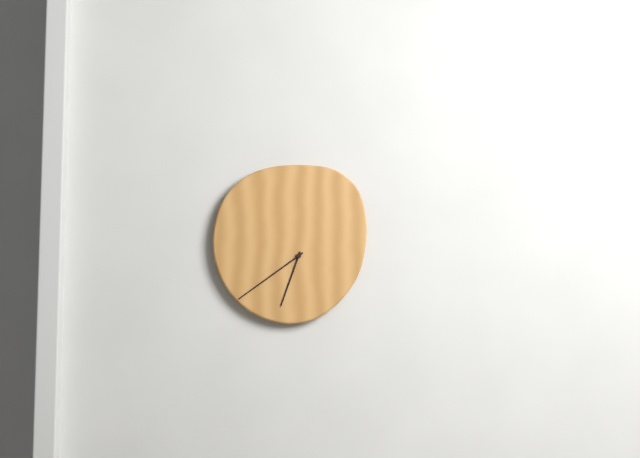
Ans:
**6:39**
